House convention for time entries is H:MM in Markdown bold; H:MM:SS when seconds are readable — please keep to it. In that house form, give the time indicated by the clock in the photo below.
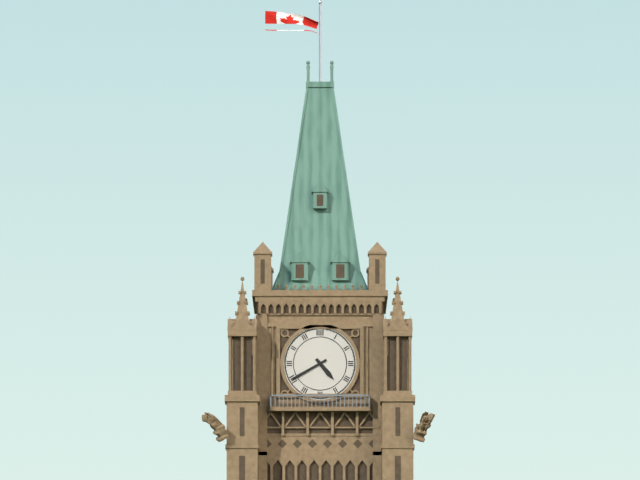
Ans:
**4:40**
